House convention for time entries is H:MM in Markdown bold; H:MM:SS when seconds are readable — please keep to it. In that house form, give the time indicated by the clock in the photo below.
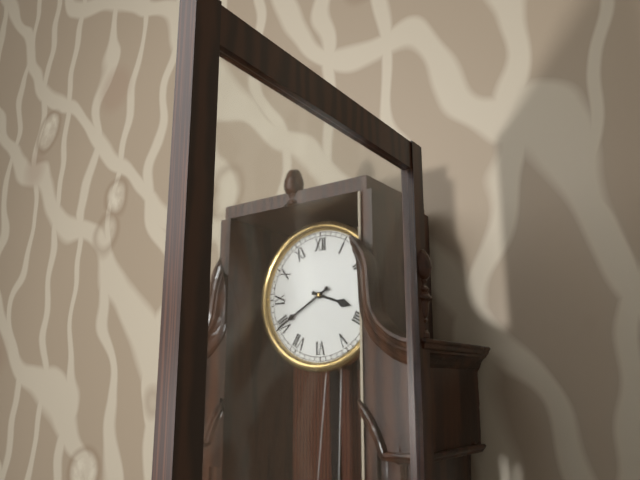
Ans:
**3:40**
